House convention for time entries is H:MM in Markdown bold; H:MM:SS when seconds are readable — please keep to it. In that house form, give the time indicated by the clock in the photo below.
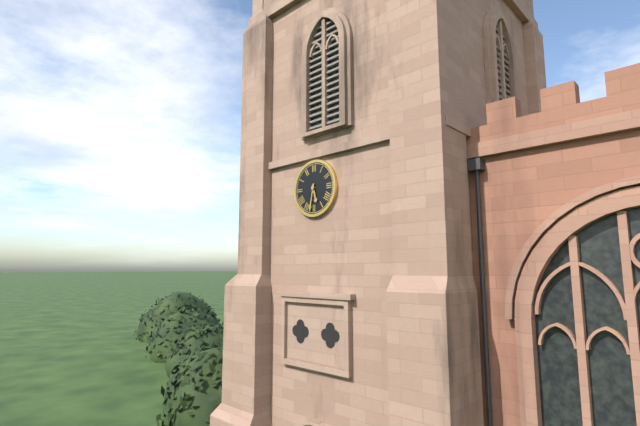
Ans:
**5:32**
